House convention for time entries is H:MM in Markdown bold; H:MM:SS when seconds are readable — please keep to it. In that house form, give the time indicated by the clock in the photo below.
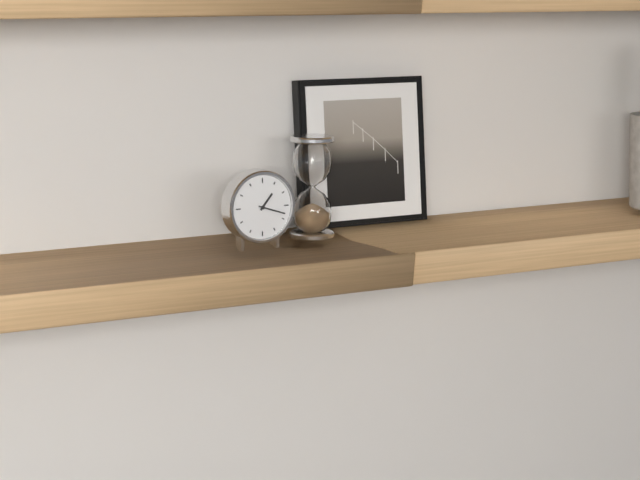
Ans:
**1:18**
